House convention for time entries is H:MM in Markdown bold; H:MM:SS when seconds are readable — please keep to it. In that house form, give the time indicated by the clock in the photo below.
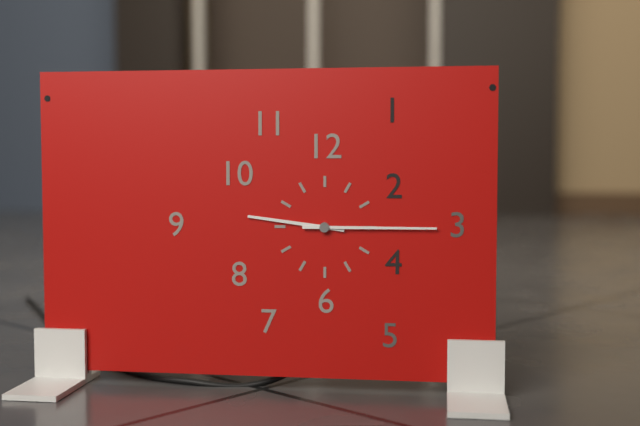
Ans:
**9:15**
